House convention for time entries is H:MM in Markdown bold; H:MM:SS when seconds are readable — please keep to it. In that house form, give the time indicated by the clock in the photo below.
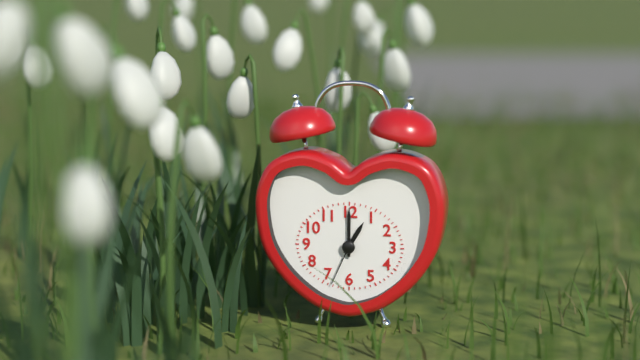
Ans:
**1:00:34**
